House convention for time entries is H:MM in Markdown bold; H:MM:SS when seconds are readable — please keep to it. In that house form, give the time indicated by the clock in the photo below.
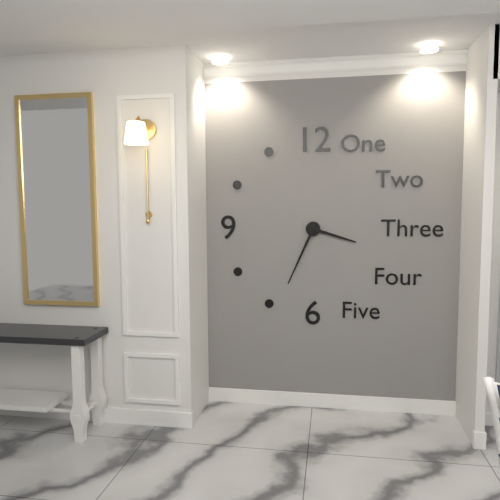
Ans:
**3:34**
